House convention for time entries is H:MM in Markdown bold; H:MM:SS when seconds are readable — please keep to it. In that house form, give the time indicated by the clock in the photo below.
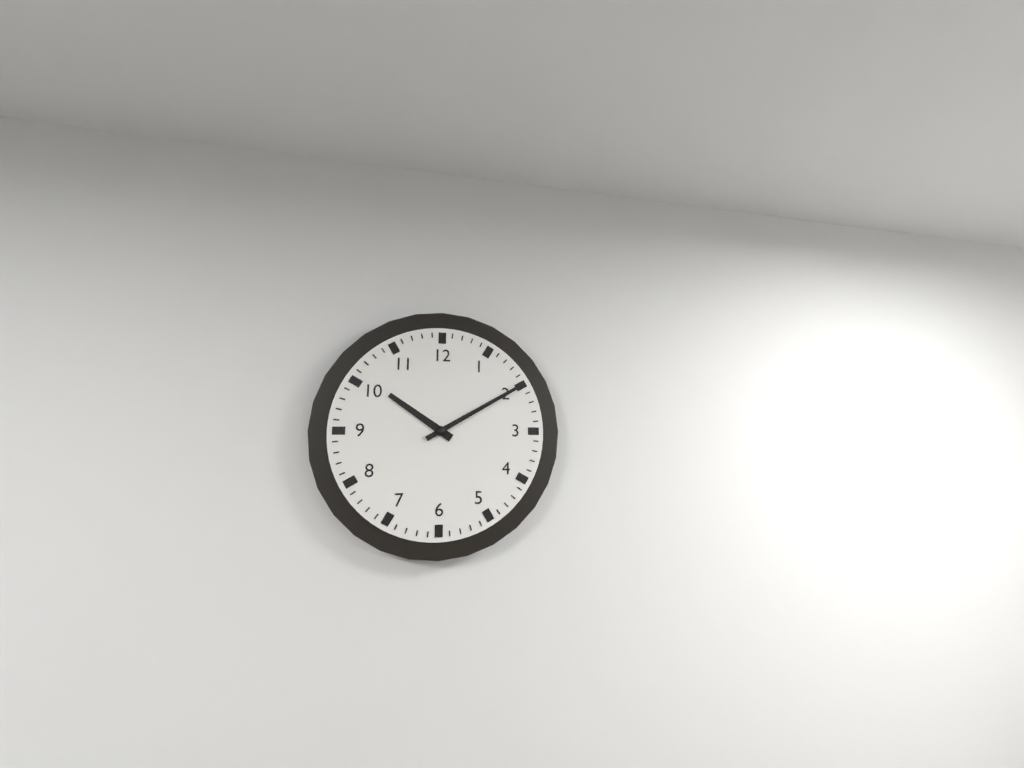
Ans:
**10:10**
